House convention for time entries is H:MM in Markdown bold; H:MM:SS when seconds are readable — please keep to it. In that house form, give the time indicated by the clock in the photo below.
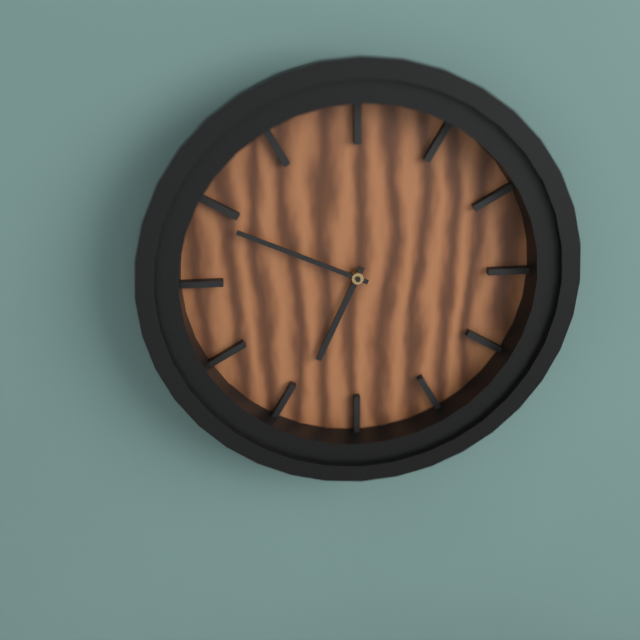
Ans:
**6:49**
